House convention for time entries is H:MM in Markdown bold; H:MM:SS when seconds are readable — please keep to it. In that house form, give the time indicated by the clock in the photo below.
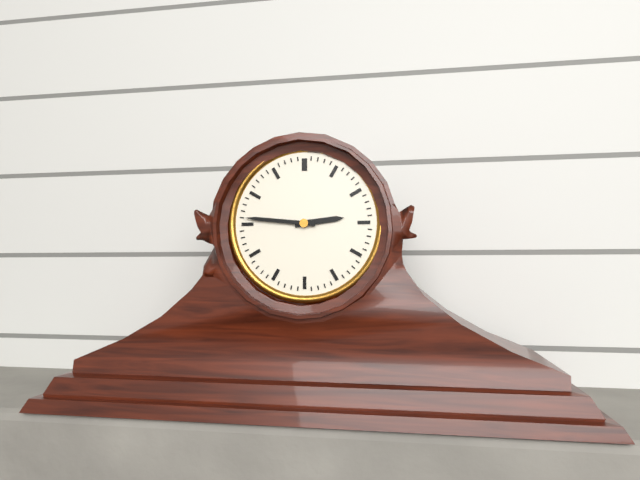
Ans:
**2:46**
